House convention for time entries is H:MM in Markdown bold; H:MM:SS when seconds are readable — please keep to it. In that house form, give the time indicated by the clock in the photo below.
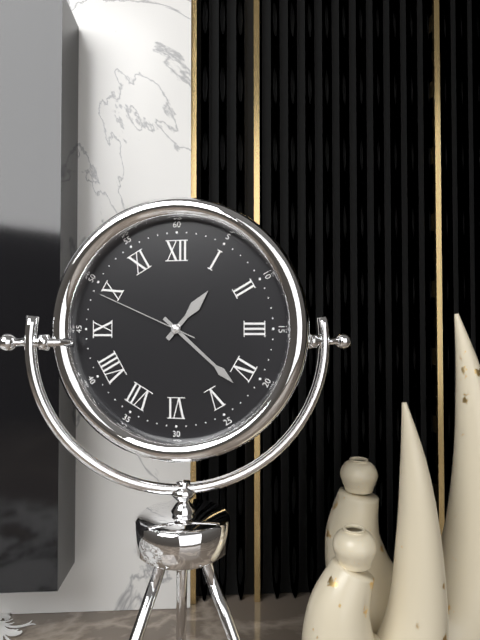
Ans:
**1:22:49**
